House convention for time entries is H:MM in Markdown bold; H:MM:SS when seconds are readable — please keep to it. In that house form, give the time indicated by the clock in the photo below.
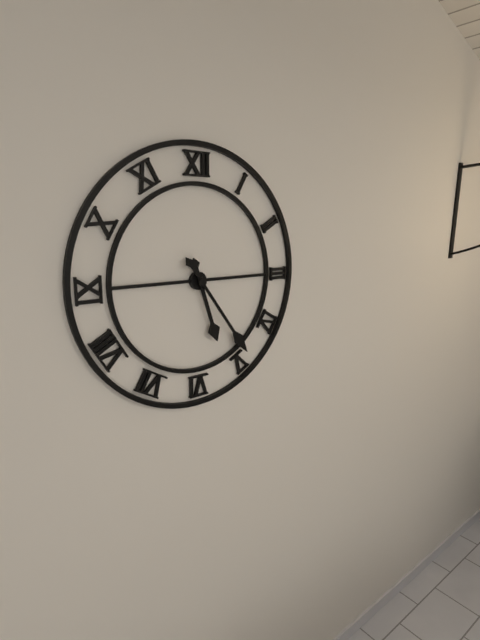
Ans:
**5:24**
